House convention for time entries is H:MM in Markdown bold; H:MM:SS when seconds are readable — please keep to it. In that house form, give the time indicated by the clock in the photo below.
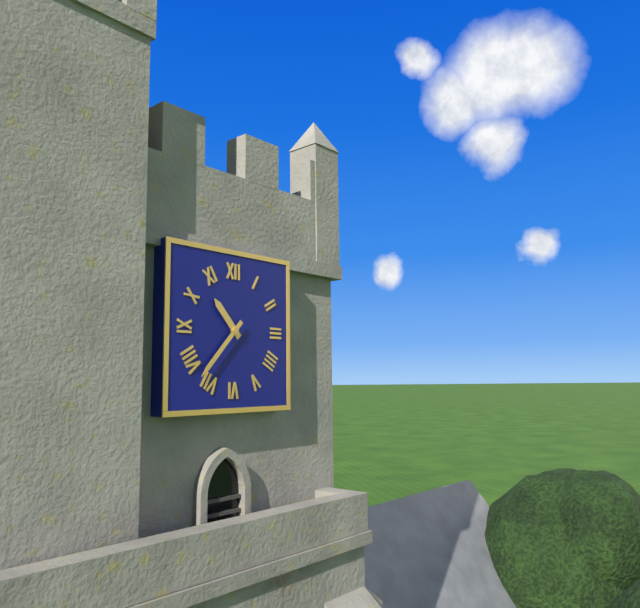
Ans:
**10:37**
